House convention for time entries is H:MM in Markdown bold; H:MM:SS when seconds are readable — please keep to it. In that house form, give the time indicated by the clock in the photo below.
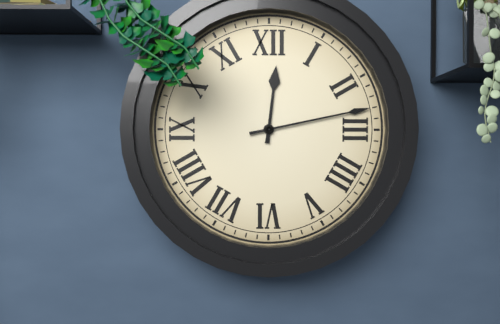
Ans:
**12:13**
